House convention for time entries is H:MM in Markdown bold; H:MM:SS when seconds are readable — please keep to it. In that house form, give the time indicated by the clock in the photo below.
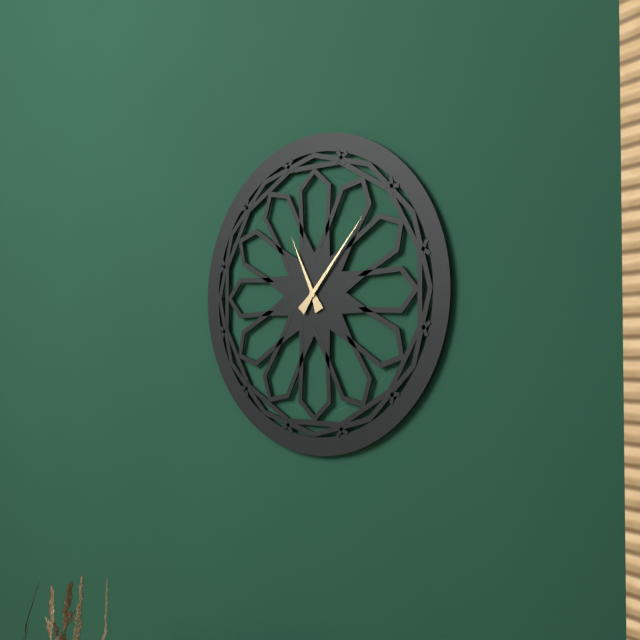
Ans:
**11:07**
